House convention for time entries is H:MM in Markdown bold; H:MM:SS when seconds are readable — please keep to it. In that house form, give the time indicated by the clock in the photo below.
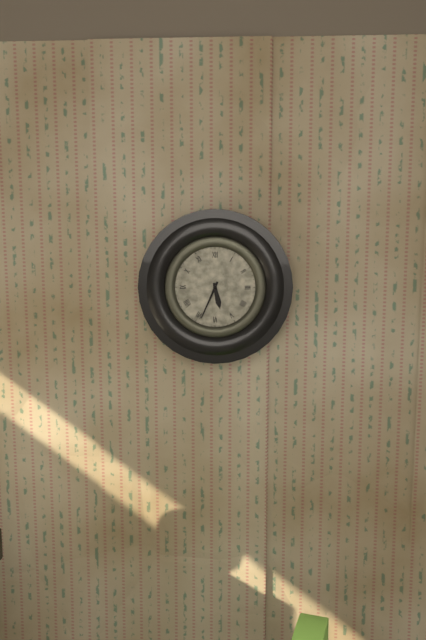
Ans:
**5:34**
